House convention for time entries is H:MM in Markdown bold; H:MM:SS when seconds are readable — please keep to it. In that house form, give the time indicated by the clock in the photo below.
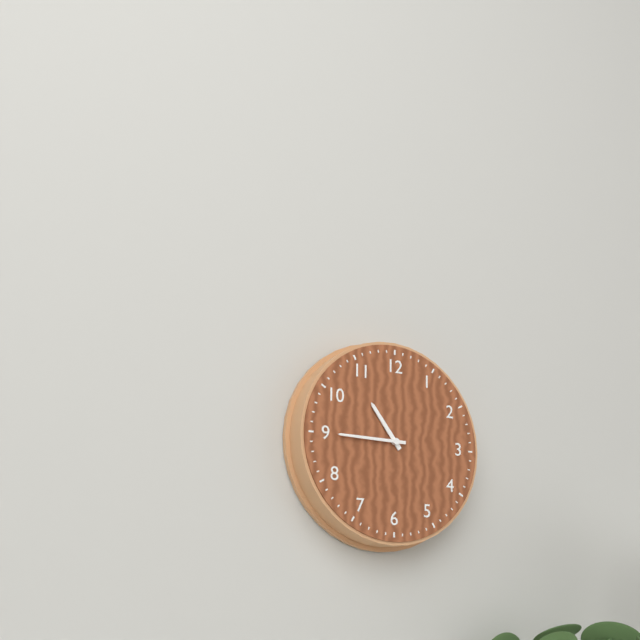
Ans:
**10:45**
